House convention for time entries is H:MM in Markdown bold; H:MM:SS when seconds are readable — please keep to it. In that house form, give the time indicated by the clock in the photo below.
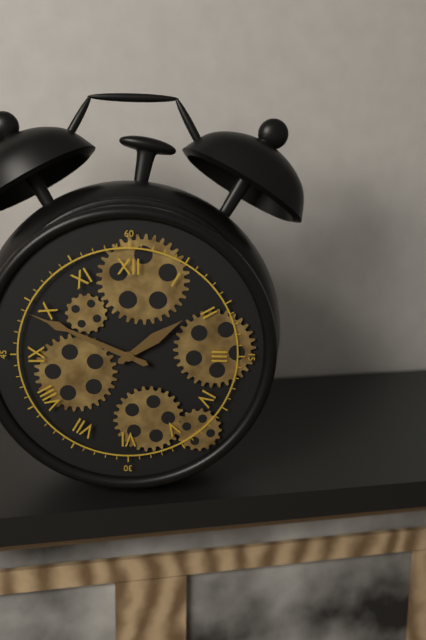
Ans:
**1:49**
